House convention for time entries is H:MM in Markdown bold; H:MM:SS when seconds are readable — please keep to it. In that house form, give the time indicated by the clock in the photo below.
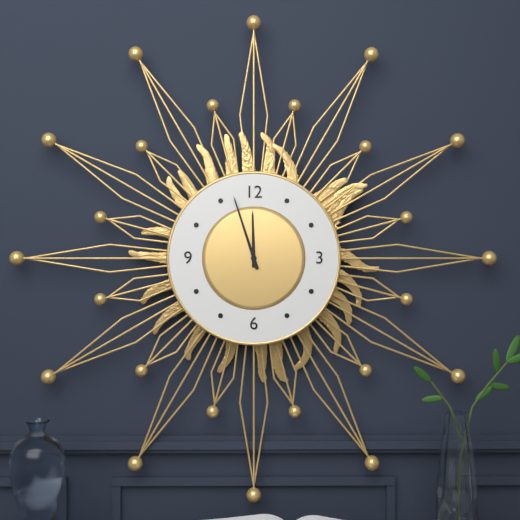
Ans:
**11:57**
